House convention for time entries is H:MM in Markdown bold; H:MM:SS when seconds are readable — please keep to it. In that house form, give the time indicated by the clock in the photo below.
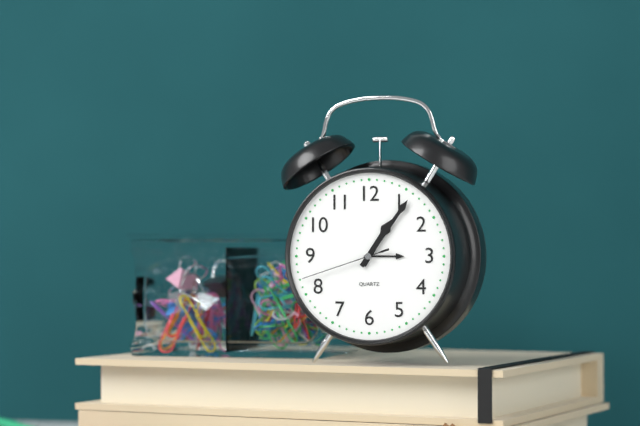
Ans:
**1:06:42**
